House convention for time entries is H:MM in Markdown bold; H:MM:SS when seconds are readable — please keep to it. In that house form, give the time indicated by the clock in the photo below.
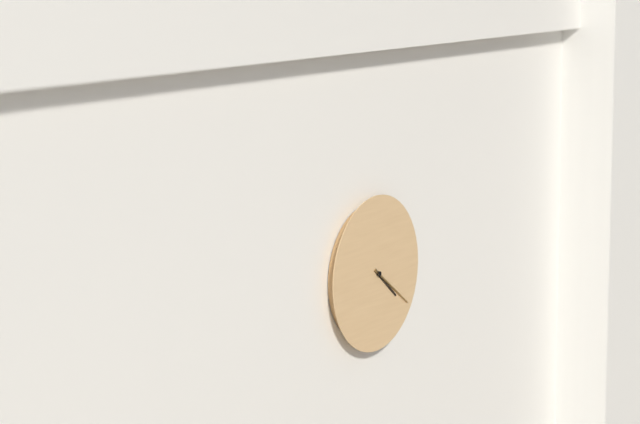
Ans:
**4:21**
